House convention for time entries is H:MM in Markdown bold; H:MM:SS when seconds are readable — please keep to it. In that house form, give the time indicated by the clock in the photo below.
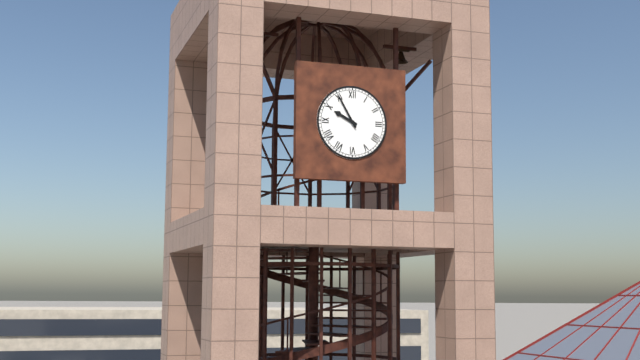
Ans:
**9:55**
